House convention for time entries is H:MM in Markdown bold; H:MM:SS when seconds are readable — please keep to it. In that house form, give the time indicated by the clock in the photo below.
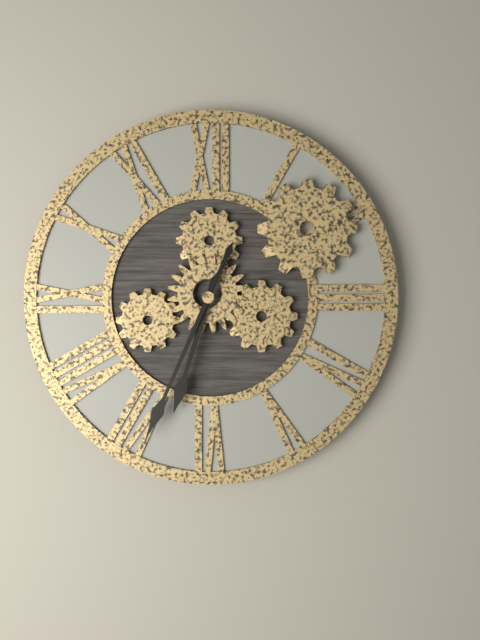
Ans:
**6:34**
